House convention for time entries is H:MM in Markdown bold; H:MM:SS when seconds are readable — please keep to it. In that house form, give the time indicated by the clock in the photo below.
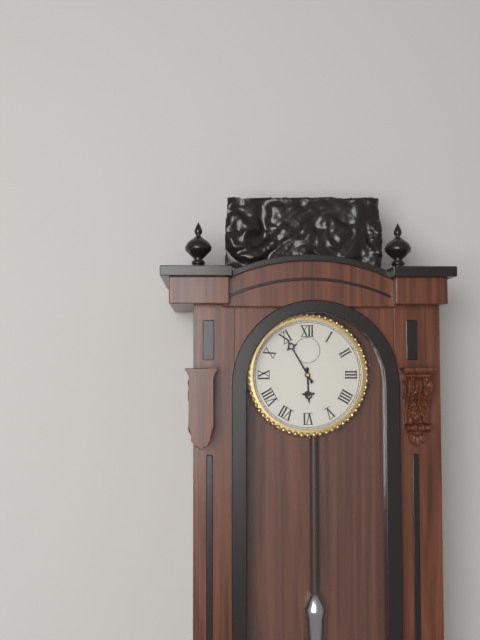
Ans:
**5:55**
